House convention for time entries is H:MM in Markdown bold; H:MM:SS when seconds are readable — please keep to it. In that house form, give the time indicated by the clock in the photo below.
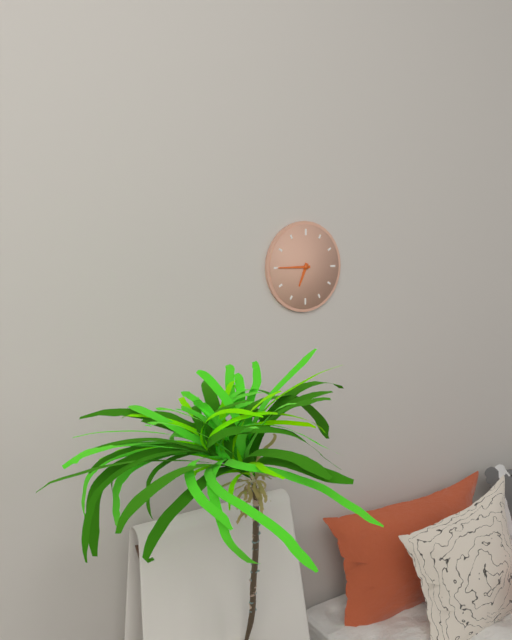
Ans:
**6:45**
